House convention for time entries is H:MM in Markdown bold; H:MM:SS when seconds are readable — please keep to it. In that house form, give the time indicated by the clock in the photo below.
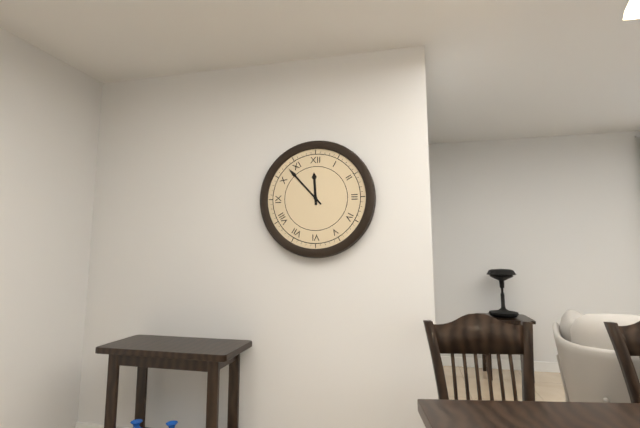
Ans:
**11:53**
